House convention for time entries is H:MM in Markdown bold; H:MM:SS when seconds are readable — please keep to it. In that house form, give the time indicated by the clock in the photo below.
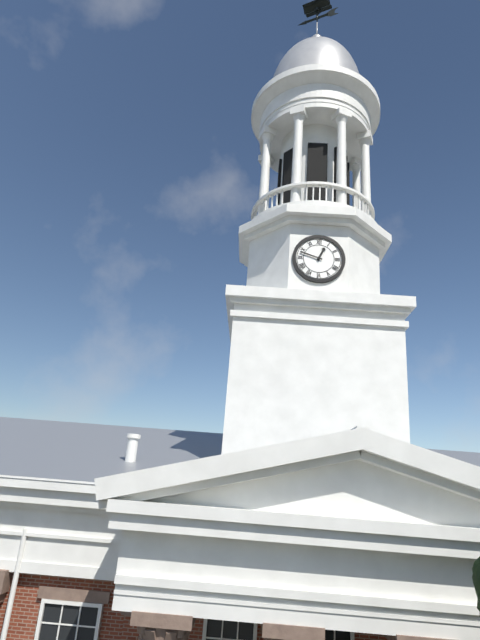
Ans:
**12:48**
